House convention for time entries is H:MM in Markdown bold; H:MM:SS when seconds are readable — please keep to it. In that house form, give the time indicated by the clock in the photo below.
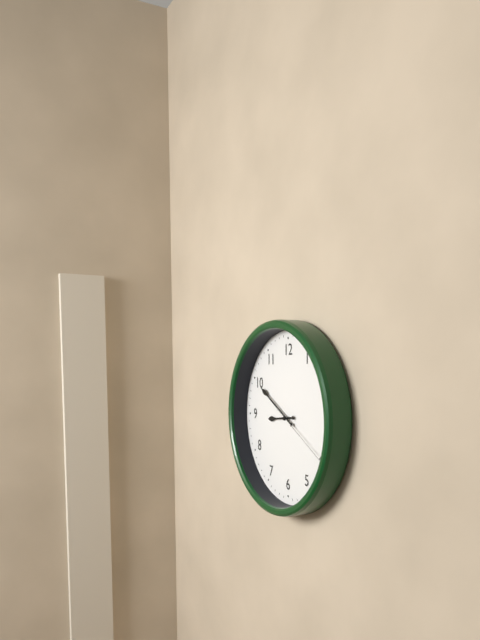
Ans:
**8:50:20**
